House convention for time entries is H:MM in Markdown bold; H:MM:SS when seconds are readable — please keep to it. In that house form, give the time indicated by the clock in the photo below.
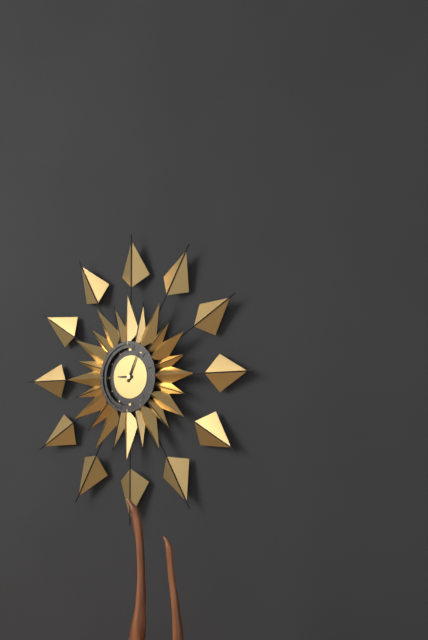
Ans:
**9:04**
